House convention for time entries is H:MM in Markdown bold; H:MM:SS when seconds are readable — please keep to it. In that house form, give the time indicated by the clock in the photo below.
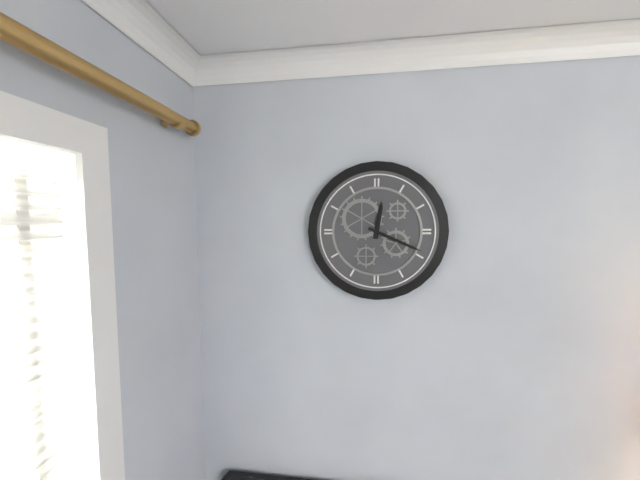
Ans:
**12:19**
